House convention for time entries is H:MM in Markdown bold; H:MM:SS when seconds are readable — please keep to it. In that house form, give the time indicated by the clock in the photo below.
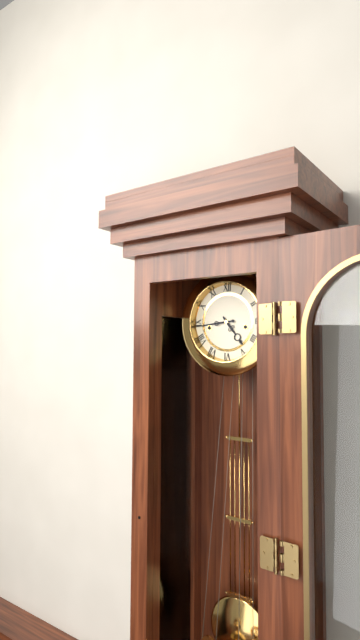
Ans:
**4:44**
